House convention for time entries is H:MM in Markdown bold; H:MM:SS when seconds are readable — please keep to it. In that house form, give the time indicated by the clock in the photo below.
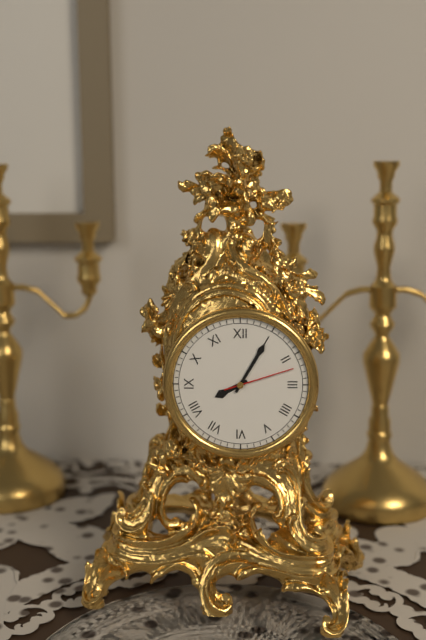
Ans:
**8:05:12**
